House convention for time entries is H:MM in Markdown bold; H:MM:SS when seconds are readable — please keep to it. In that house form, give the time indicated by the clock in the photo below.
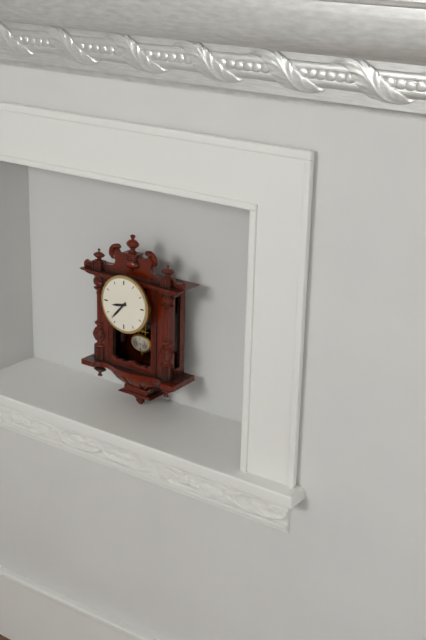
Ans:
**8:37**
